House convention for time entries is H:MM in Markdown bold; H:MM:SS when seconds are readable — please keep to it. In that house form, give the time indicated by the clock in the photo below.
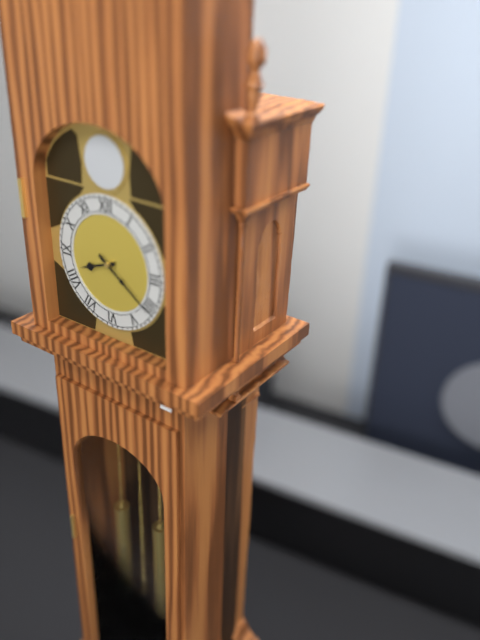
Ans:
**8:21**
